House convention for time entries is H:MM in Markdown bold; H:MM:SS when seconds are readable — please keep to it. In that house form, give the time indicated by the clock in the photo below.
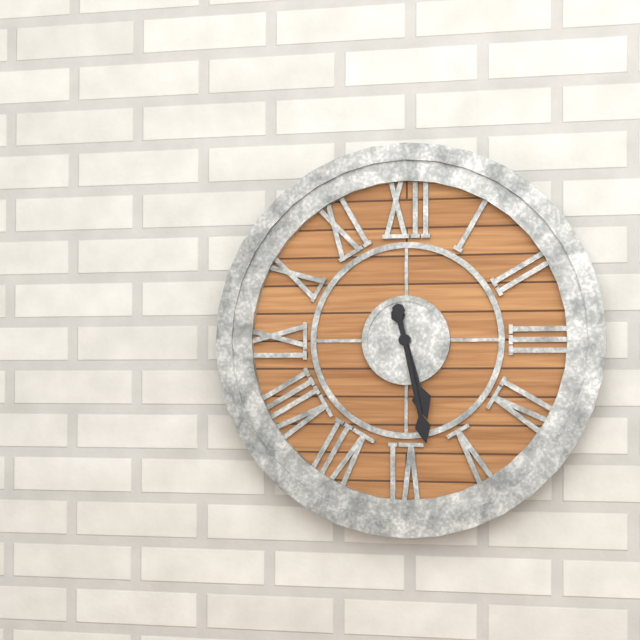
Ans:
**5:28**
